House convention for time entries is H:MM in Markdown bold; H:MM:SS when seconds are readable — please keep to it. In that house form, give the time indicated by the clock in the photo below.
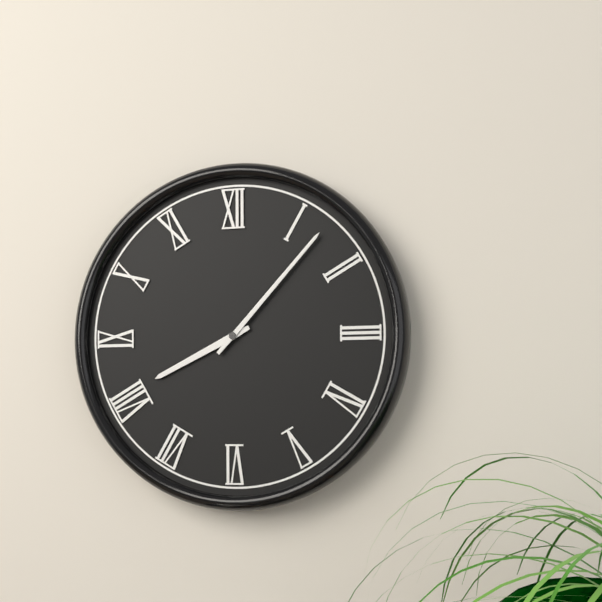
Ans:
**8:07**
